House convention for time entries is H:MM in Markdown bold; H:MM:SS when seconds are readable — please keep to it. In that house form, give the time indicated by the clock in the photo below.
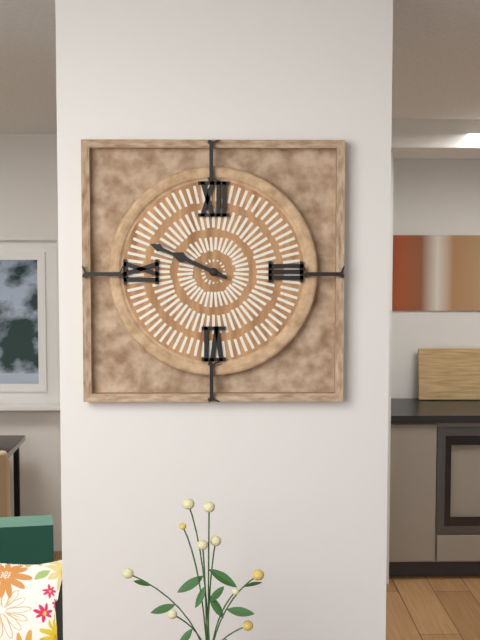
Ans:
**9:49**
